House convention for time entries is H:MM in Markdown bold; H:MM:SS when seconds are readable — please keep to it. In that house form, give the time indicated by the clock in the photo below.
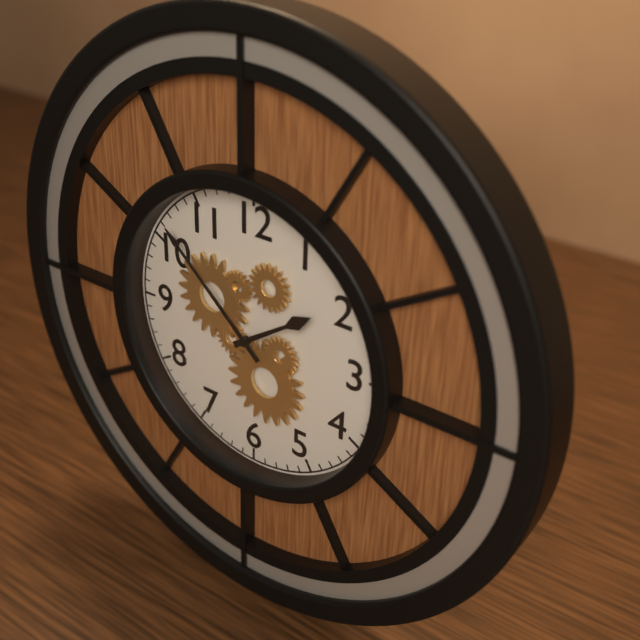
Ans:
**1:52**
